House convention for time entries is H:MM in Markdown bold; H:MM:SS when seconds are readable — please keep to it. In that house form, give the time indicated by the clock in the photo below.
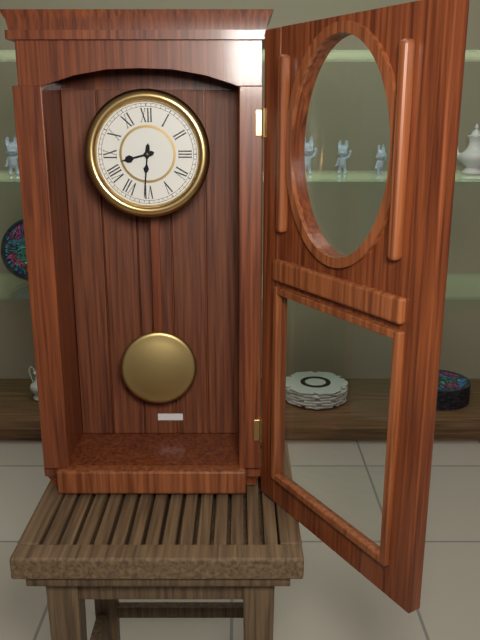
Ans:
**8:31**
